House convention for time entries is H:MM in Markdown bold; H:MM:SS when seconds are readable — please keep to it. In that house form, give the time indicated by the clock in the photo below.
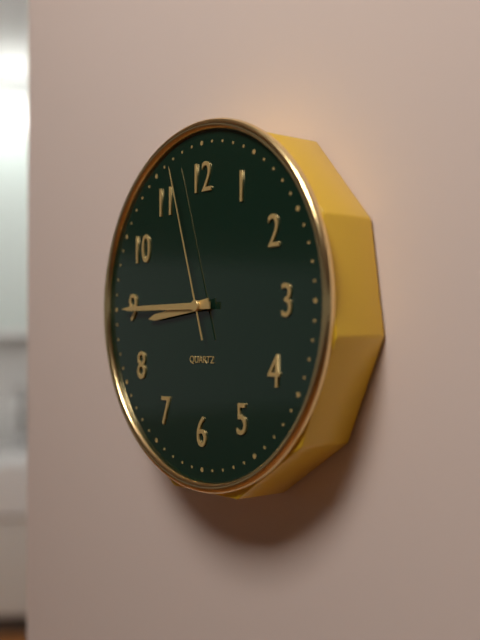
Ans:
**8:45:57**
